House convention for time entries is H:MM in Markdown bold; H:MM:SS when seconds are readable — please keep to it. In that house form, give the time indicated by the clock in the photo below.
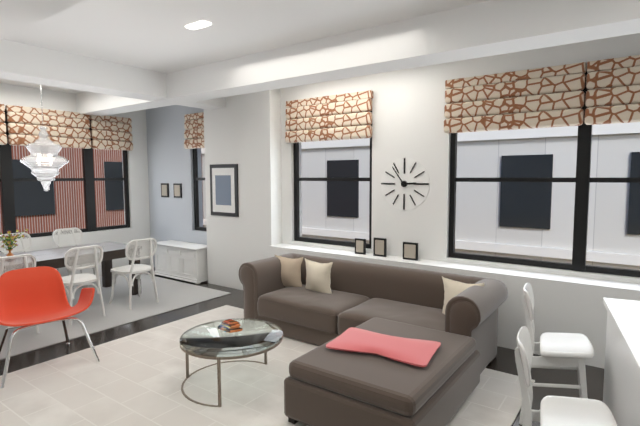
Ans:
**2:54**
